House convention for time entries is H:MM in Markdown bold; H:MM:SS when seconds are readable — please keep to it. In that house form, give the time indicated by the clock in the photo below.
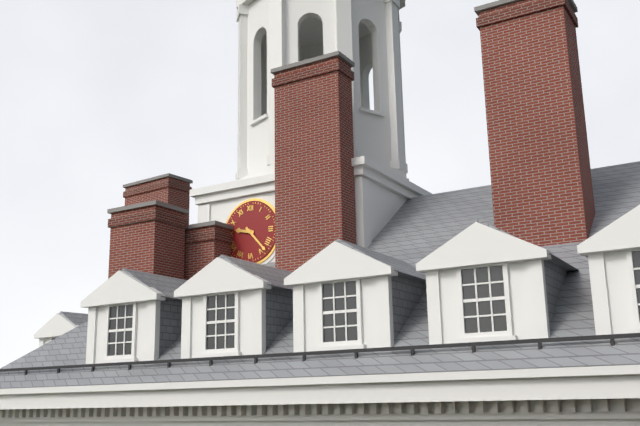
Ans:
**9:23**
